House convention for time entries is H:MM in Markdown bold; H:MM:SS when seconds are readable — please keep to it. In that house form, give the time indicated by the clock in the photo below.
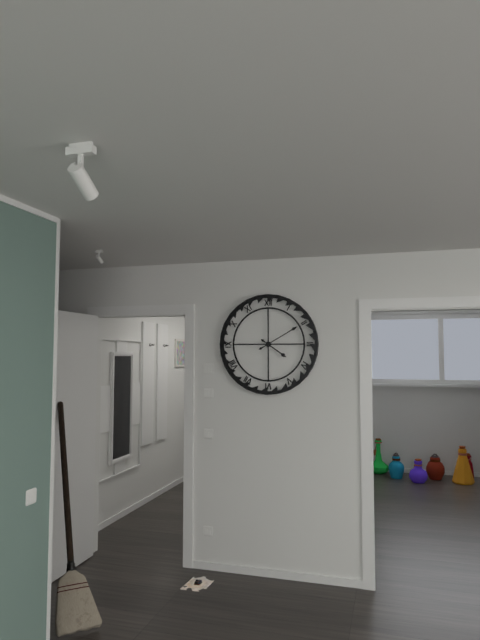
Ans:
**4:10**
